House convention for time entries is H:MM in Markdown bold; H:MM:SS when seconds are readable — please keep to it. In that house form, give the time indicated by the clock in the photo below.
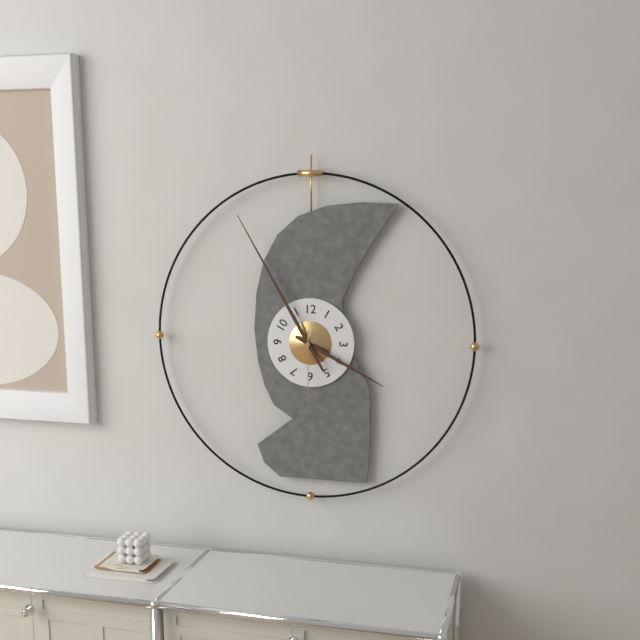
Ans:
**3:55:30**
